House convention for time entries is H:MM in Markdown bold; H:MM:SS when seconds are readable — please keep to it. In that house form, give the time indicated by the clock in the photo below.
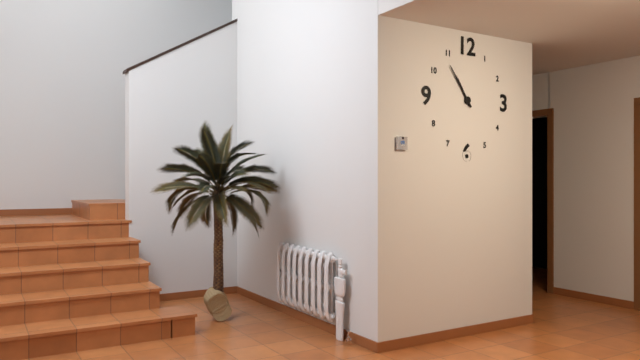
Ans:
**10:54**
